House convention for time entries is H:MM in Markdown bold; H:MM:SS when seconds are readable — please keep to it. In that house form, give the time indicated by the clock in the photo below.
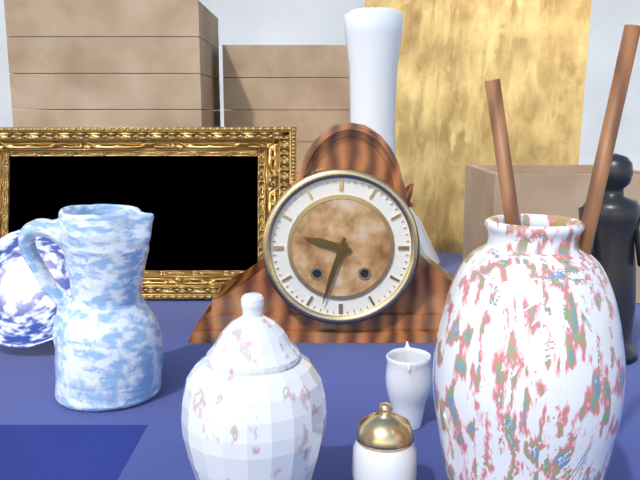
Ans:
**9:33**
